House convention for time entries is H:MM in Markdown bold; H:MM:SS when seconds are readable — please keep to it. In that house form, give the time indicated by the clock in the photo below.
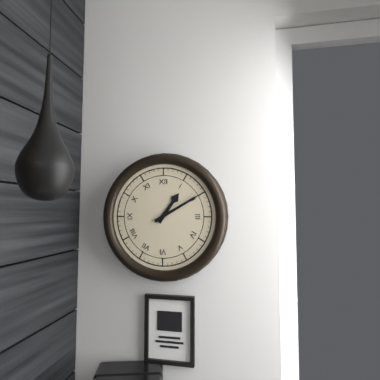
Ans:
**1:10**
